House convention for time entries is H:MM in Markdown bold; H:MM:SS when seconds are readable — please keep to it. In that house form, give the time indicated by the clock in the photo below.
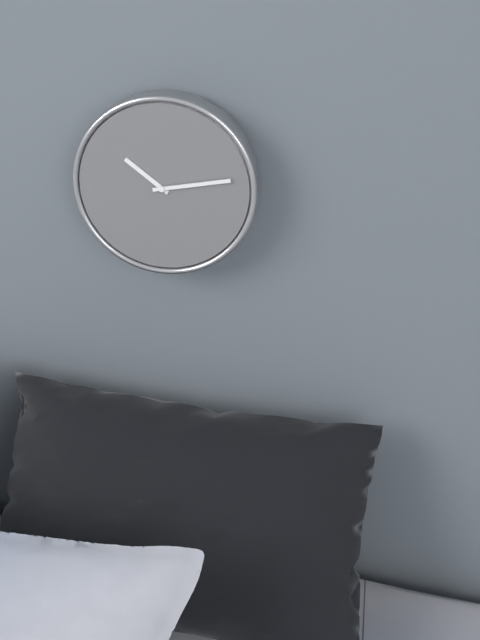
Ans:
**10:13**
